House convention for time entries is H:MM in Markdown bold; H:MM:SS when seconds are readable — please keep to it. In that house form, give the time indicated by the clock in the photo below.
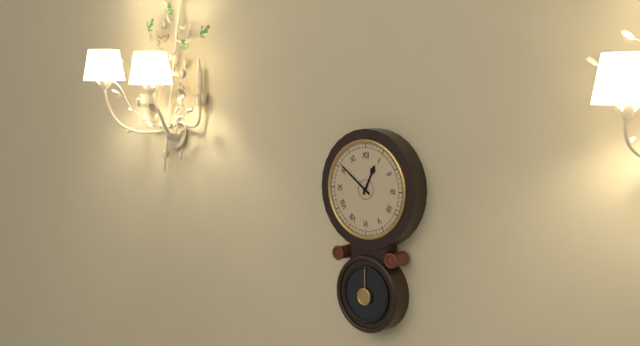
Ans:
**12:51**
